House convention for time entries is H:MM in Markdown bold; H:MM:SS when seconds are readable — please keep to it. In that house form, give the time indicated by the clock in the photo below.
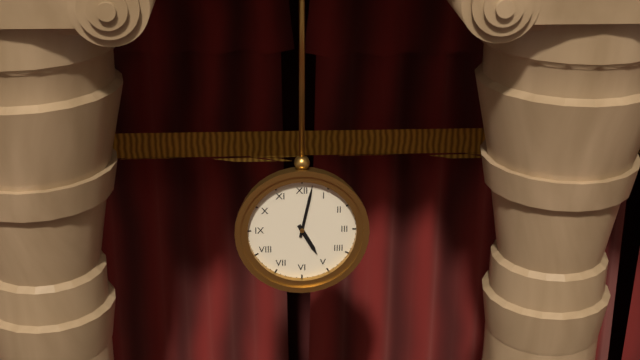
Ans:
**5:02**
